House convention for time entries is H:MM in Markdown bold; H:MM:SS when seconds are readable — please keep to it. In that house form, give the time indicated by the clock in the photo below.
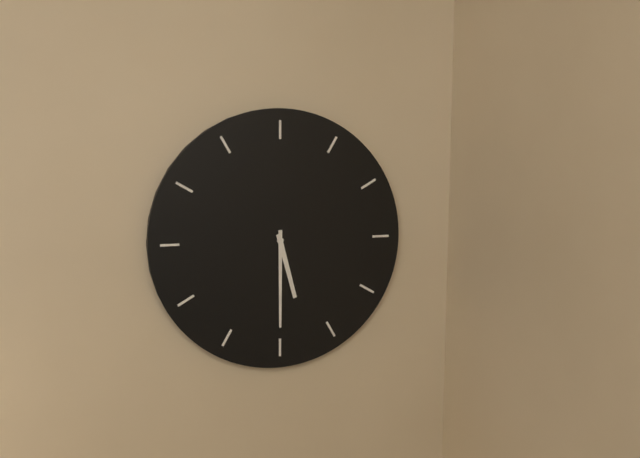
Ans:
**5:30**
